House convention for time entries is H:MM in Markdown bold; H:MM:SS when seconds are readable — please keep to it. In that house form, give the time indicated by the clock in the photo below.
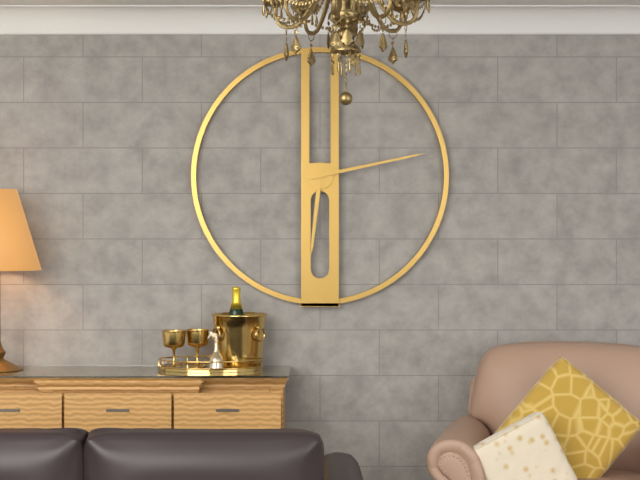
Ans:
**6:13**
